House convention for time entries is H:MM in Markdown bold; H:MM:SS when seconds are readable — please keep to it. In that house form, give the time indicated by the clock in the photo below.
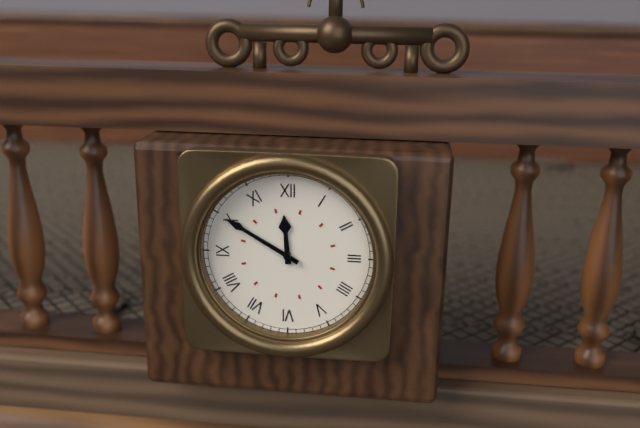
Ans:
**11:50**
